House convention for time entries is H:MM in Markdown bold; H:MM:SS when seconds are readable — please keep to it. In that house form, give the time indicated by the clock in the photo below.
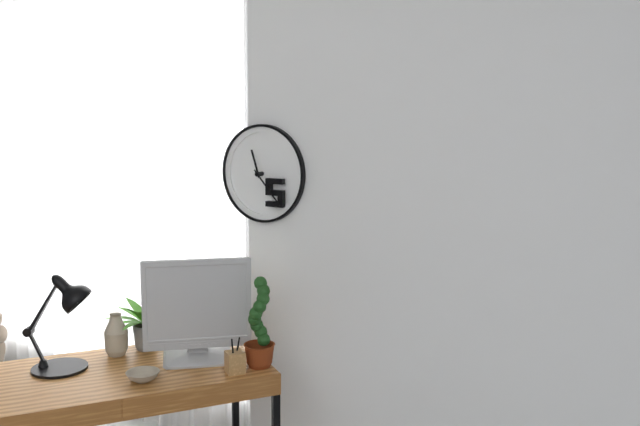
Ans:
**11:23**
